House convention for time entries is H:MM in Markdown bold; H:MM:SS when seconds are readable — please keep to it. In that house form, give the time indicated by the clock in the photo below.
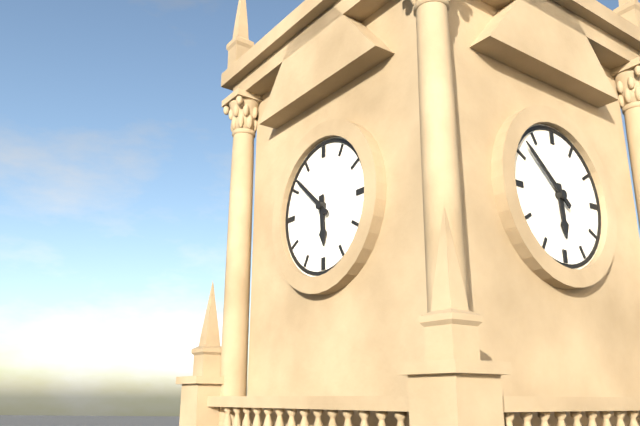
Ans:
**5:52**
